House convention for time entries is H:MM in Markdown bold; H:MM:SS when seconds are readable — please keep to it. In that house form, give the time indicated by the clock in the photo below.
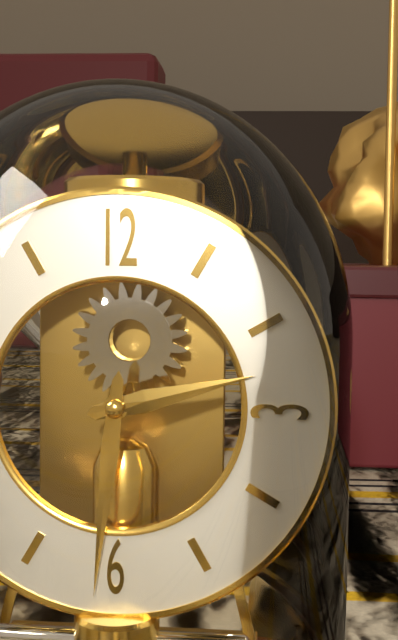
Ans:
**2:31**
